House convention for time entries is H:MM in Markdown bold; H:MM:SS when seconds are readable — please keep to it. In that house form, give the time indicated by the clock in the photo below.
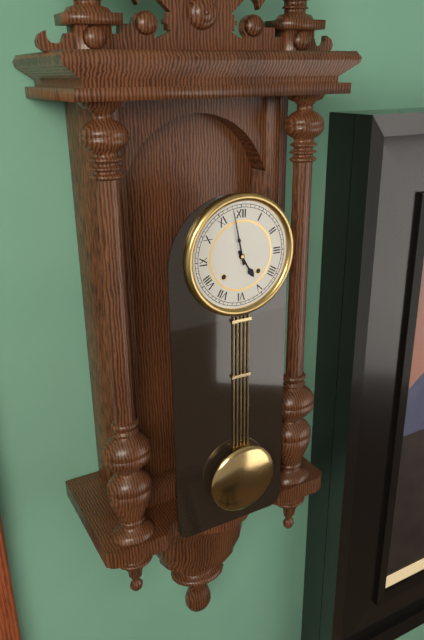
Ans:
**4:58**
